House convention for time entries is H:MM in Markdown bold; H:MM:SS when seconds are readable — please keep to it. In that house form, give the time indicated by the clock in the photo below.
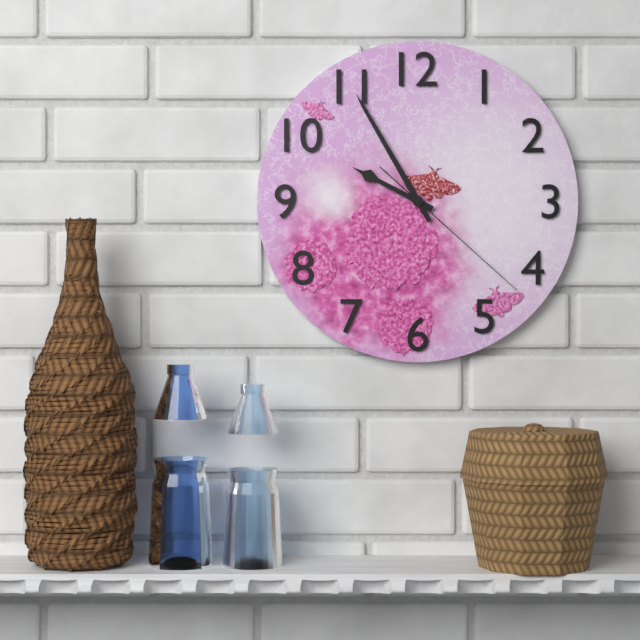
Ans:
**9:55:22**
